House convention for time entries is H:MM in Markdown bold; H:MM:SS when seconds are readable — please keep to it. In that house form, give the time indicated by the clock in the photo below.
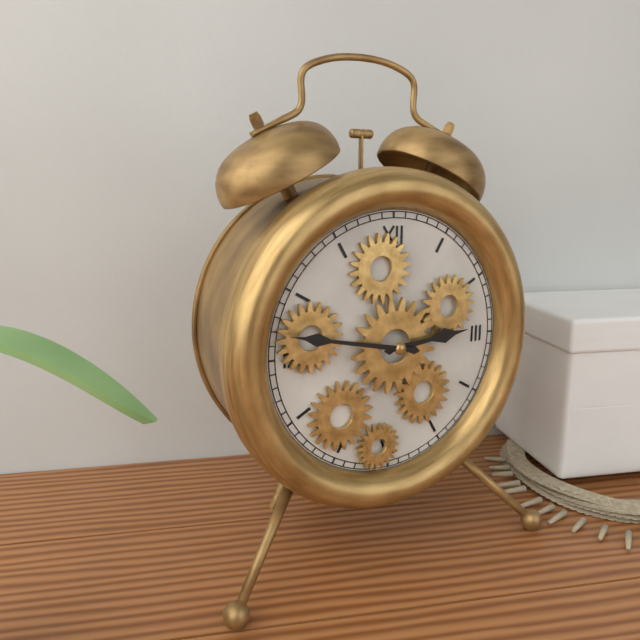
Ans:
**2:47**
